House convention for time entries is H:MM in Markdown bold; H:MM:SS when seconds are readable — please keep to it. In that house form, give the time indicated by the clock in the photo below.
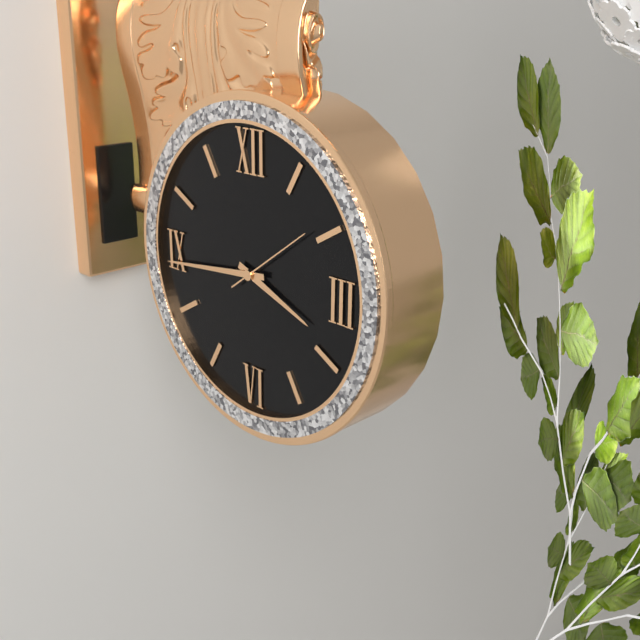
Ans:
**3:44:09**
